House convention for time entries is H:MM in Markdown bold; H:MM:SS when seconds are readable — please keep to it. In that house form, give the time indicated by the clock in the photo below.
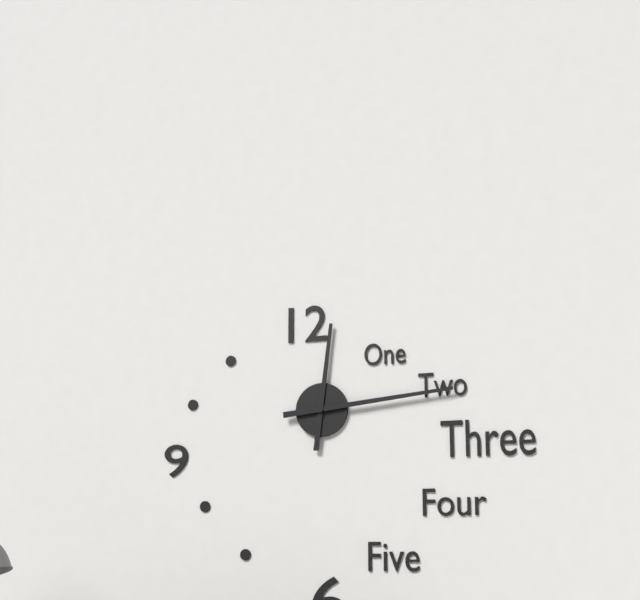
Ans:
**12:14**
